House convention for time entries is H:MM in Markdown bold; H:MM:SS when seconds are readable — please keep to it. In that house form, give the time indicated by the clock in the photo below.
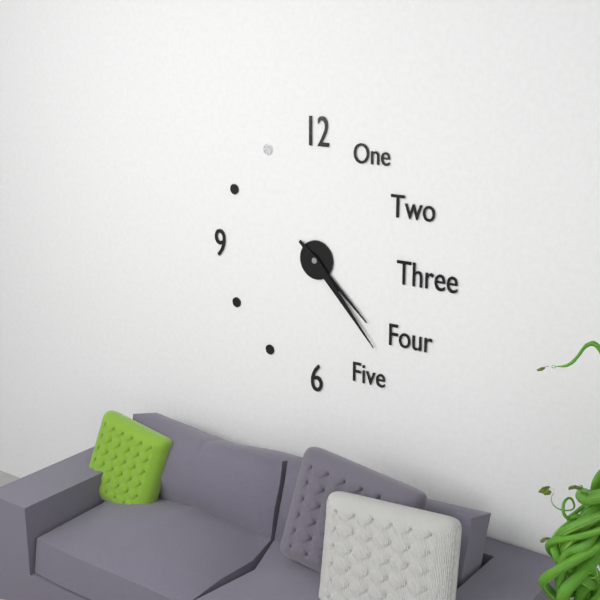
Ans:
**4:23**
